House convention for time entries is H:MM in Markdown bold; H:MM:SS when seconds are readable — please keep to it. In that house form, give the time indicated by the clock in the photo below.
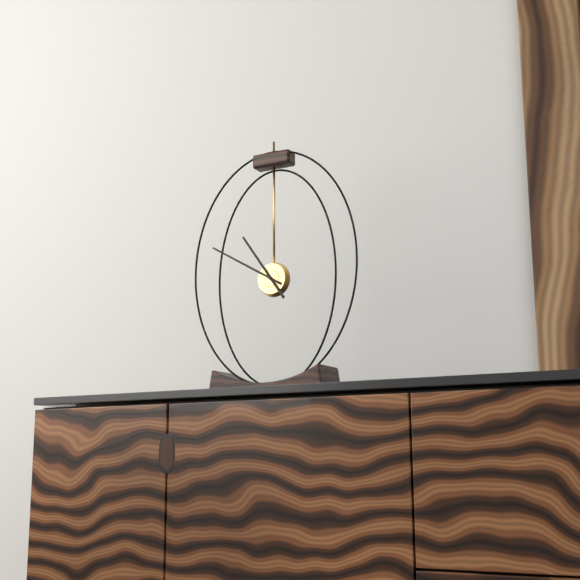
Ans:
**10:50**
